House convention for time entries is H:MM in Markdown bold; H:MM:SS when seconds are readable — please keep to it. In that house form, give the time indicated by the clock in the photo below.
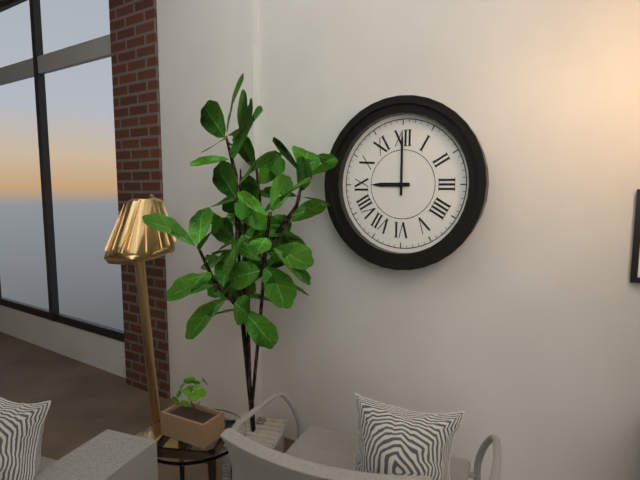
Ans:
**9:00**
